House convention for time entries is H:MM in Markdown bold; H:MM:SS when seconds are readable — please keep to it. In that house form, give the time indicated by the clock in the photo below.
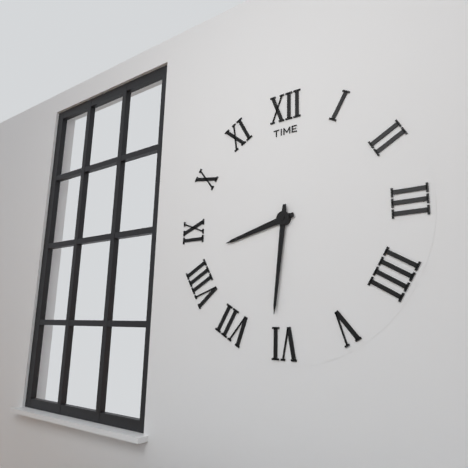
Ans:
**8:31**
